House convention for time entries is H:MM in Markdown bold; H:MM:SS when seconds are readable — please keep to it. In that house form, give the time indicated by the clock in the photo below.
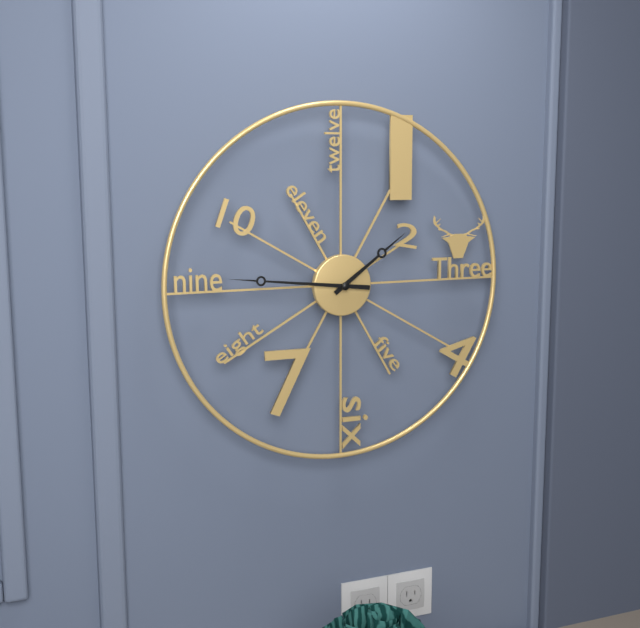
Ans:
**1:46**
